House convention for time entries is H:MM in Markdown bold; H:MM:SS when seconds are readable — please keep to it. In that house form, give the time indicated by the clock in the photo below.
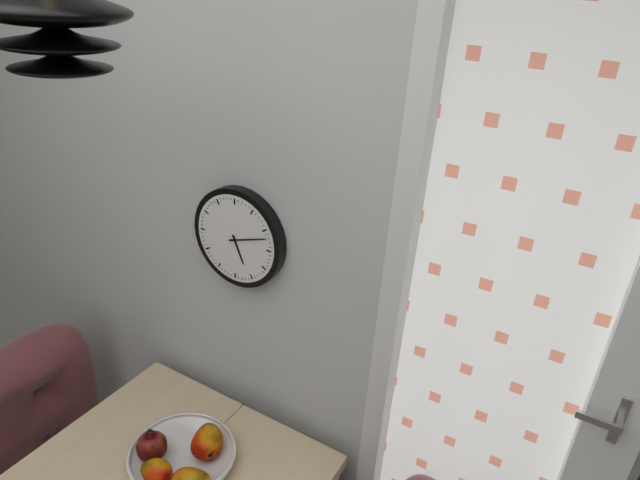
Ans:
**5:12**
